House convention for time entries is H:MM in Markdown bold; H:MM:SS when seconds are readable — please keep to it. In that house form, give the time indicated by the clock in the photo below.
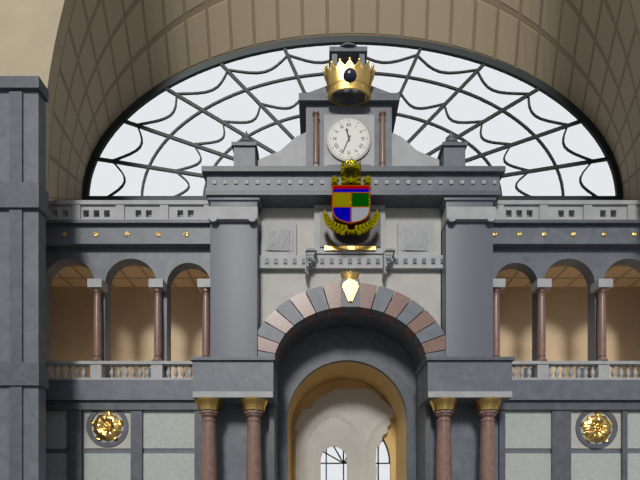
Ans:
**11:34**
